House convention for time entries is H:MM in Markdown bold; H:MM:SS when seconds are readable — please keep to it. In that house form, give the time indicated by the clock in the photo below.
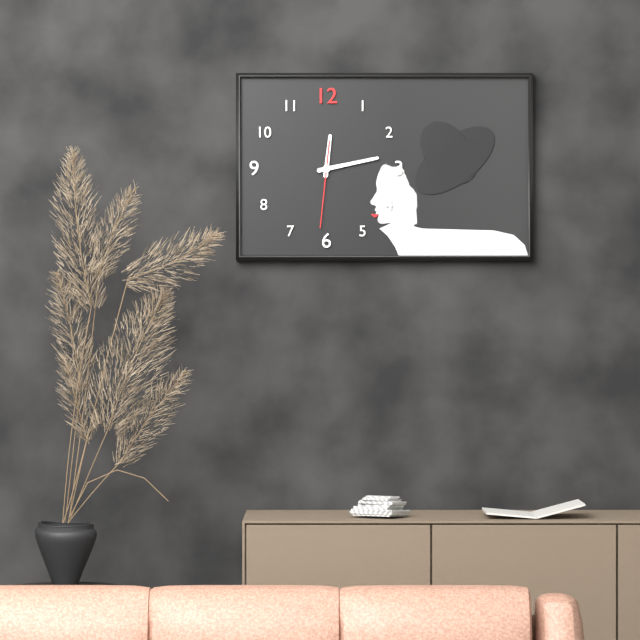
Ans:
**12:13:31**
